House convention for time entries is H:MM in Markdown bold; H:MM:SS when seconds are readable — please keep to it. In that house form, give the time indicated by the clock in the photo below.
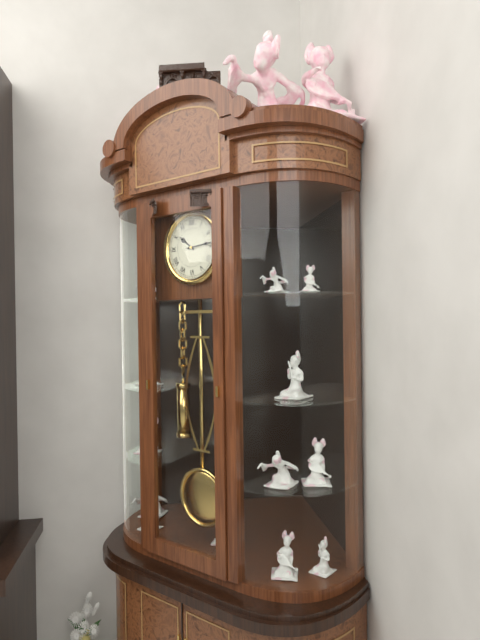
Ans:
**10:14**
